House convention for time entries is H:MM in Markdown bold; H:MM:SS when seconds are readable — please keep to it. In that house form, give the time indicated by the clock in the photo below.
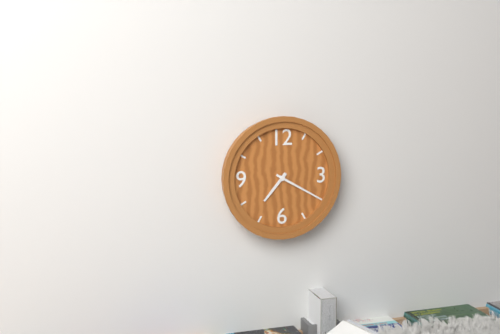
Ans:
**7:20**
